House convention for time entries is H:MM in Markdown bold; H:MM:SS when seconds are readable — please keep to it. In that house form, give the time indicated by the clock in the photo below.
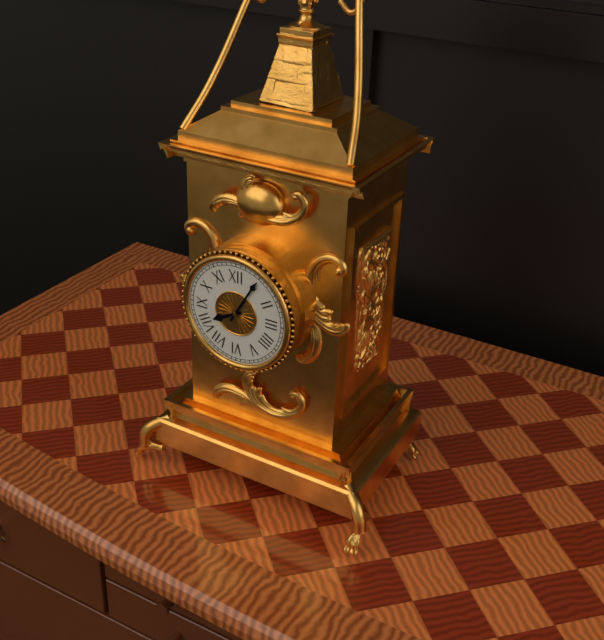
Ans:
**8:05**
